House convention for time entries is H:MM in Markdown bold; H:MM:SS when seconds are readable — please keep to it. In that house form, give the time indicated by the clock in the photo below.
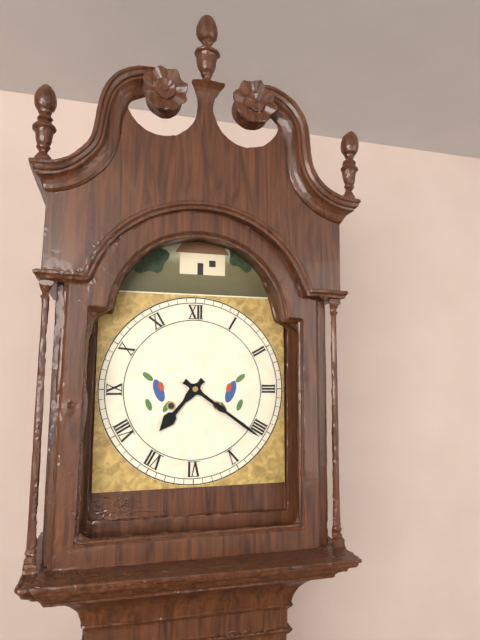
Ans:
**7:21**
